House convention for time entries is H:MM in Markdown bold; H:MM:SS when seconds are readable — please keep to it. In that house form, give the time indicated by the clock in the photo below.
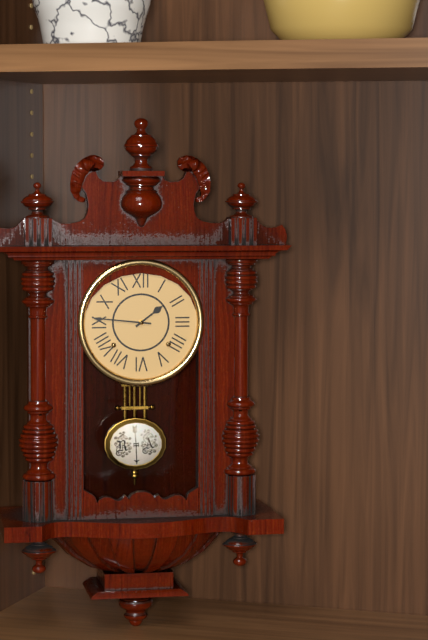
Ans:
**1:46**
